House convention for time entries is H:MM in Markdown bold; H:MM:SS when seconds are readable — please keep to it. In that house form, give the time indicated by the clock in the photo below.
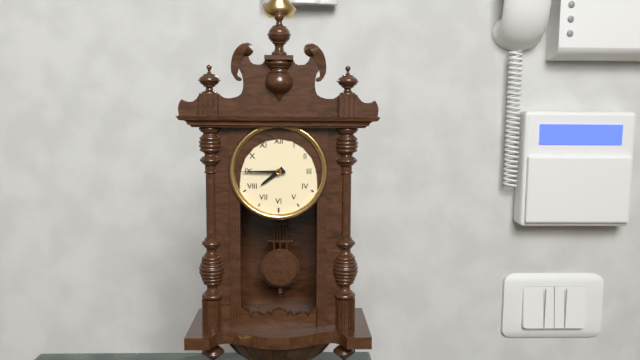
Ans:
**7:45**
